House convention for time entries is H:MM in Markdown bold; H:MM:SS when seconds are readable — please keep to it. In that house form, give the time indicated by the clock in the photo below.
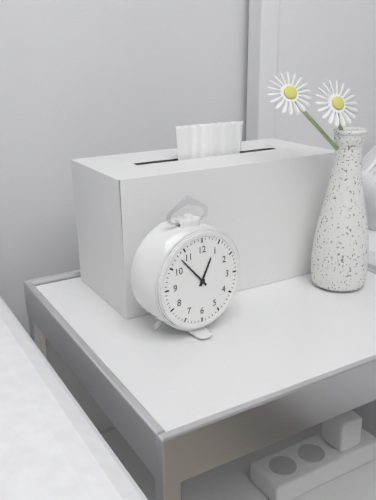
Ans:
**12:53**
